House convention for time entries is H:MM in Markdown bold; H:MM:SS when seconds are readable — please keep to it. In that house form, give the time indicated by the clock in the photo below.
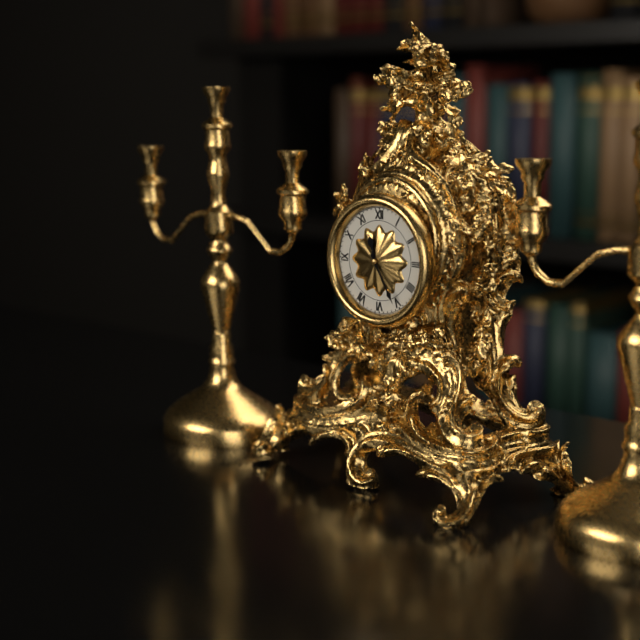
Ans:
**11:25**
